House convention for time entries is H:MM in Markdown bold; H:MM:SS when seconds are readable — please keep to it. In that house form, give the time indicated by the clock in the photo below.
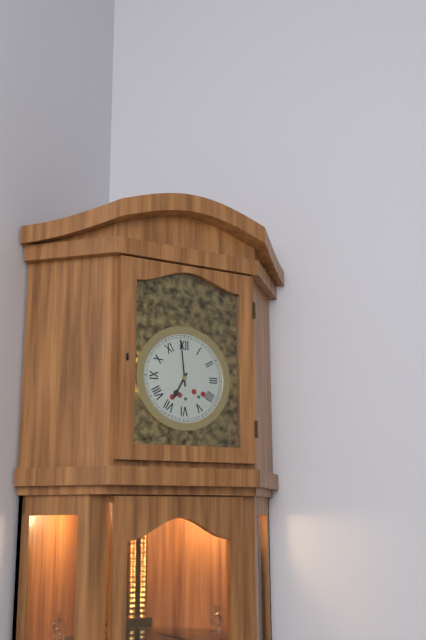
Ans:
**6:59**
